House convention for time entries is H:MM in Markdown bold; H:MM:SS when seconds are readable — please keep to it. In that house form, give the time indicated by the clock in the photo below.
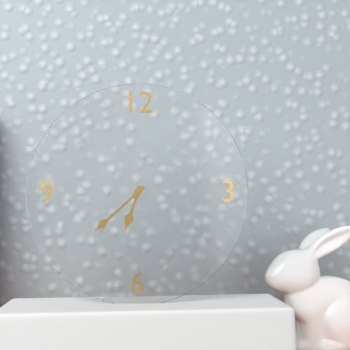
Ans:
**6:38**
